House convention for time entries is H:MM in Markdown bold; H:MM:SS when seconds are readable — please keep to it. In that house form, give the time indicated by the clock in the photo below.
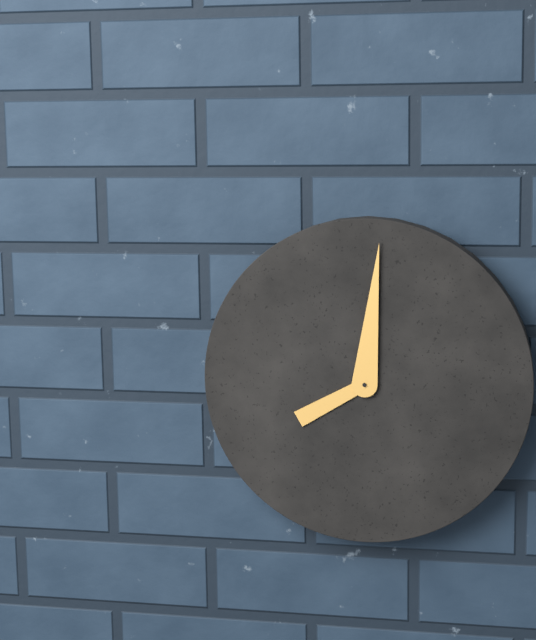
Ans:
**8:01**
